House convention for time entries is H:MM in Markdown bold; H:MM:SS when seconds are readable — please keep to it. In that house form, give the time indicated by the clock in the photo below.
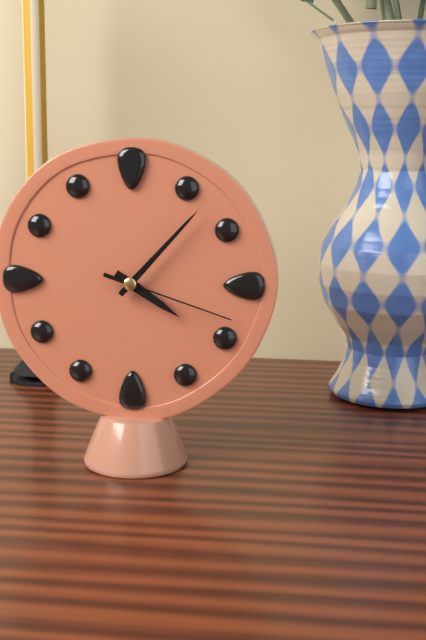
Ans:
**4:07:18**
